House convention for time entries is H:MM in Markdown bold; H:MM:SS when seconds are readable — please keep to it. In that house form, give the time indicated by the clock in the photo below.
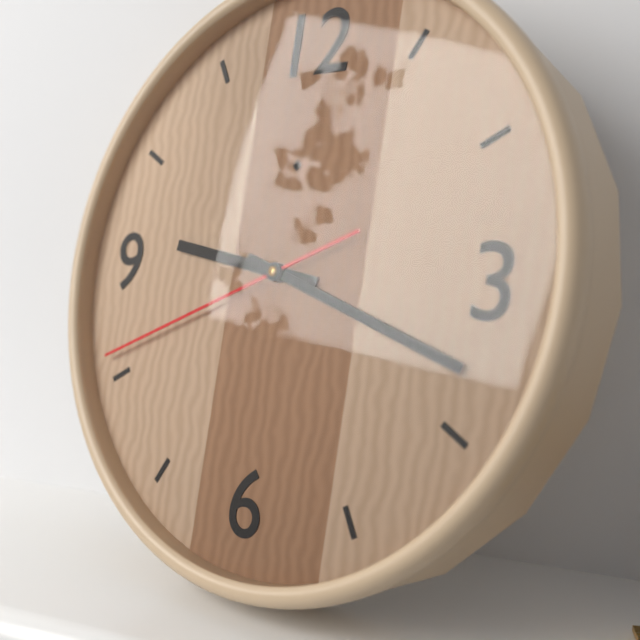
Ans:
**9:18:41**
